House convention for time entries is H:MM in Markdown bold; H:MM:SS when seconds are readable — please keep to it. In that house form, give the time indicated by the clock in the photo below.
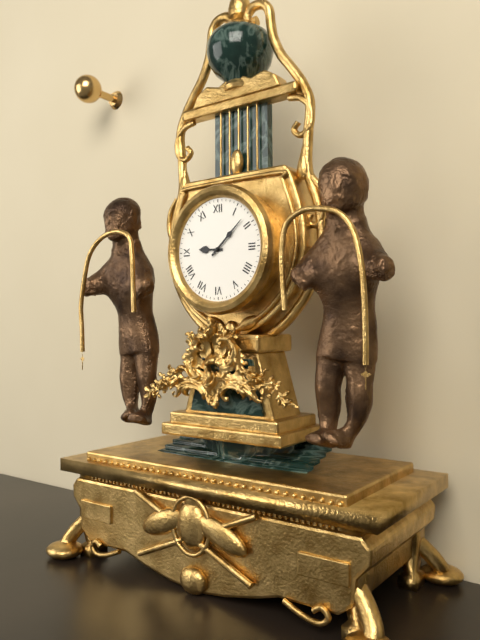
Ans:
**9:08**
